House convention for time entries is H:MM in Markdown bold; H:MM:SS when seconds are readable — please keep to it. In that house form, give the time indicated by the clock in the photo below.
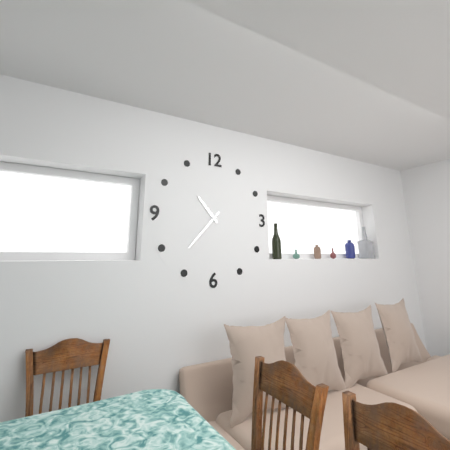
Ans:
**10:37**
